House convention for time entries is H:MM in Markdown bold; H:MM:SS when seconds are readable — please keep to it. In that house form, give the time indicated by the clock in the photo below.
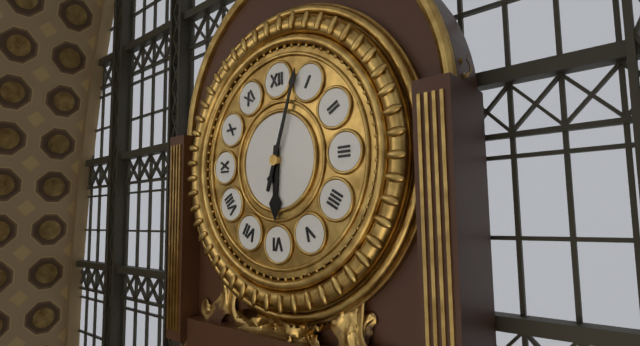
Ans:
**6:03**
